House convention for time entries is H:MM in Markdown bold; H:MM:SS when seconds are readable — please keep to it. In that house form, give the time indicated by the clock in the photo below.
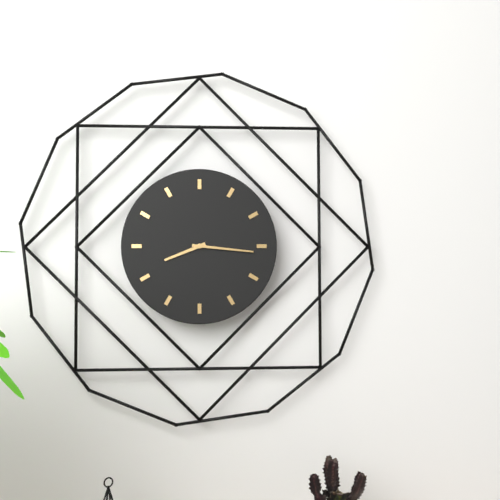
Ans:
**8:16**
